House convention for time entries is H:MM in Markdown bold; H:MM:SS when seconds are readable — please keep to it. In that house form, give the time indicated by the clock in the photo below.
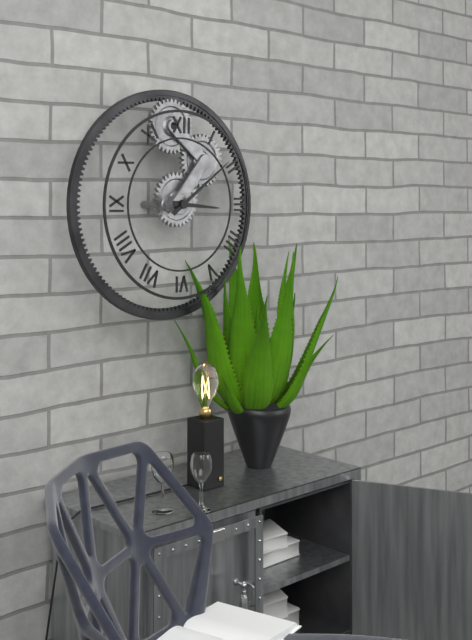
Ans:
**3:09**
